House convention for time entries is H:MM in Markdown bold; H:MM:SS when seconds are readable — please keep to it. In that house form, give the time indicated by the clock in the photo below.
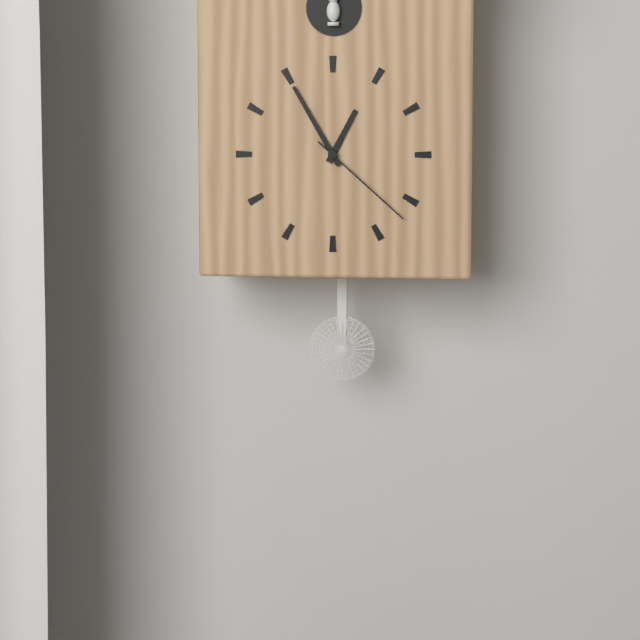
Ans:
**12:55:22**
